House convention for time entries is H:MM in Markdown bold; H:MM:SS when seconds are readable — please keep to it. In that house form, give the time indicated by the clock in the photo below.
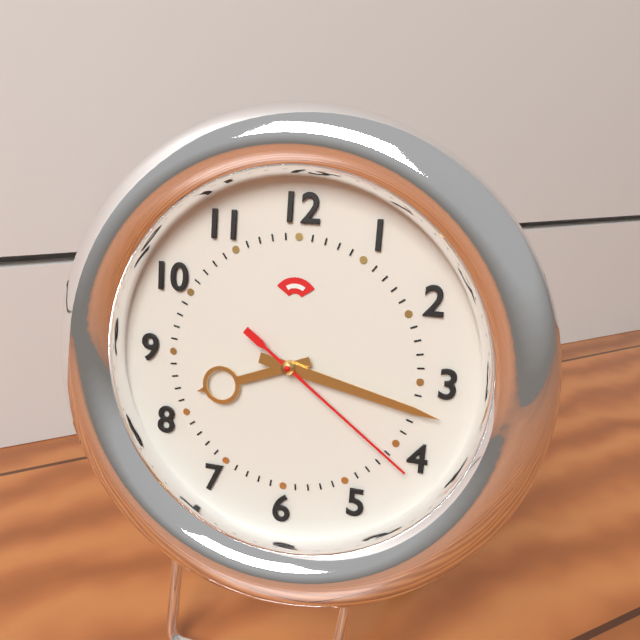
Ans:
**8:17:21**
